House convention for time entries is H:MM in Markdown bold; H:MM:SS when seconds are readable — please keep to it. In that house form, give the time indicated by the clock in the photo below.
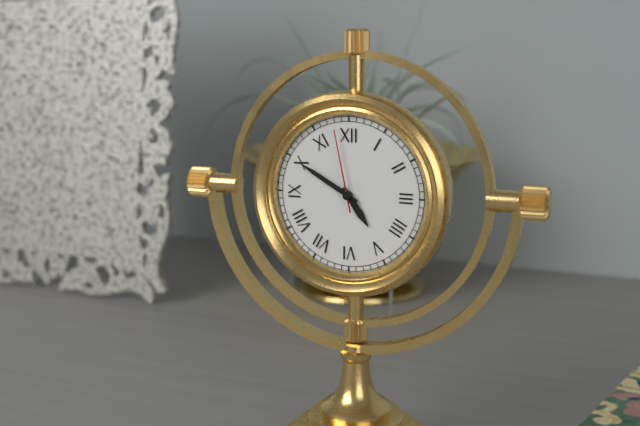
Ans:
**4:50:58**
